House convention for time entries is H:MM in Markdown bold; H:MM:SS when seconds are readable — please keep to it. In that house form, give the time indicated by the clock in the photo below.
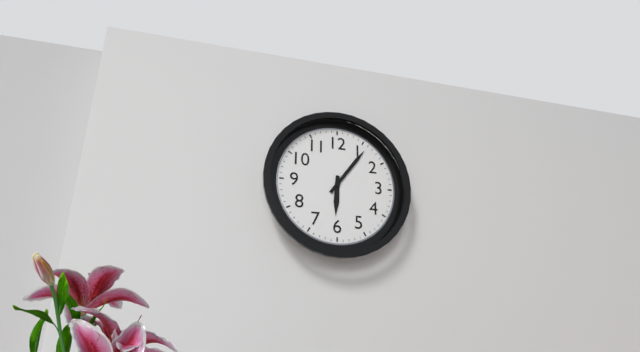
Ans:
**6:06**
